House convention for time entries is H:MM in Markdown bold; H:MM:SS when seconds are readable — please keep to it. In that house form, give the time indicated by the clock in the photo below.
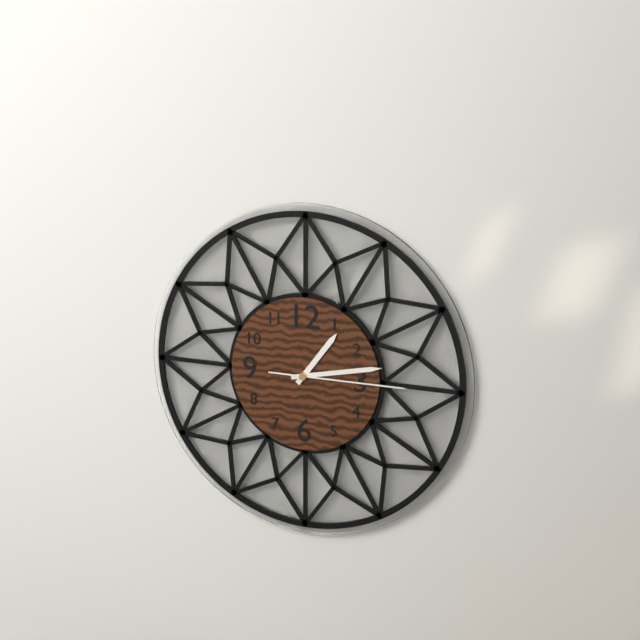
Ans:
**1:13:15**
